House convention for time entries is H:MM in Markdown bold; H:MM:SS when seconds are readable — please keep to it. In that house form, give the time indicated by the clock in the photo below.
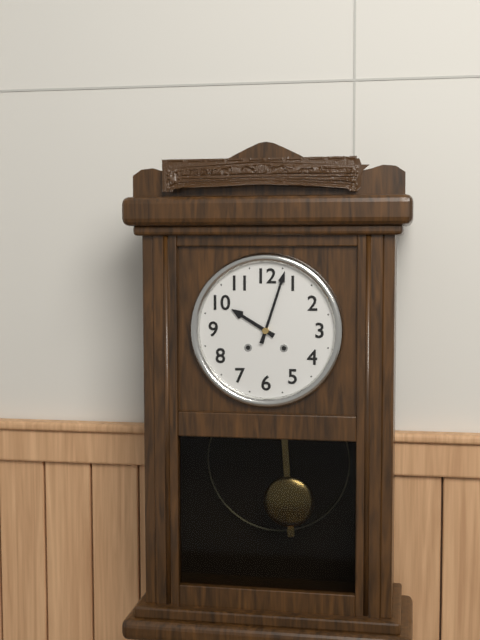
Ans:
**10:03**
